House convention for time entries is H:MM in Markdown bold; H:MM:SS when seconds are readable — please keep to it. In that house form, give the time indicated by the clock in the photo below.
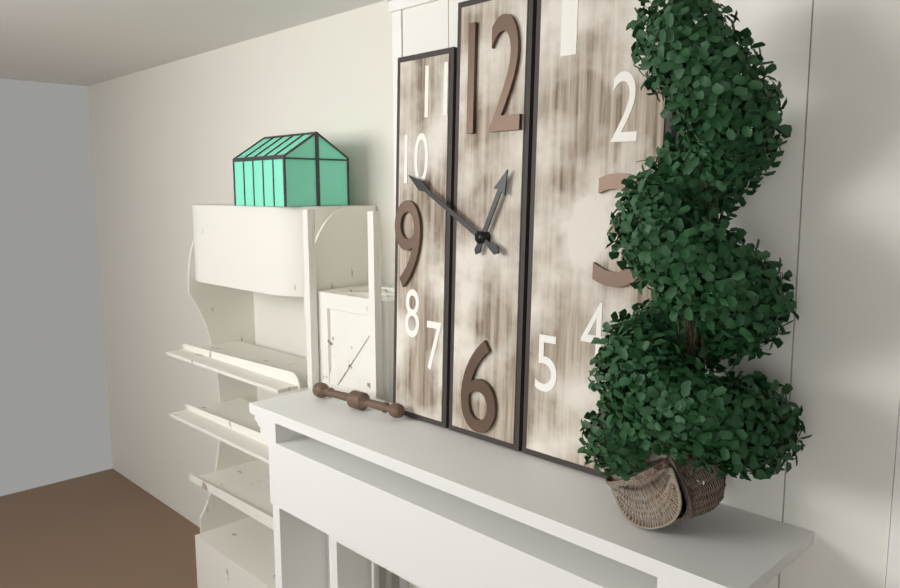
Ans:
**12:50**
